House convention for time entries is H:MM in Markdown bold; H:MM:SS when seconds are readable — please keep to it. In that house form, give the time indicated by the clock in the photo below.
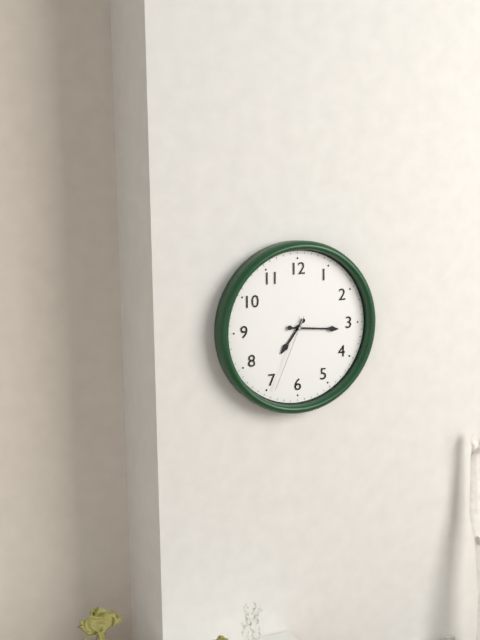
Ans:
**7:16:34**
